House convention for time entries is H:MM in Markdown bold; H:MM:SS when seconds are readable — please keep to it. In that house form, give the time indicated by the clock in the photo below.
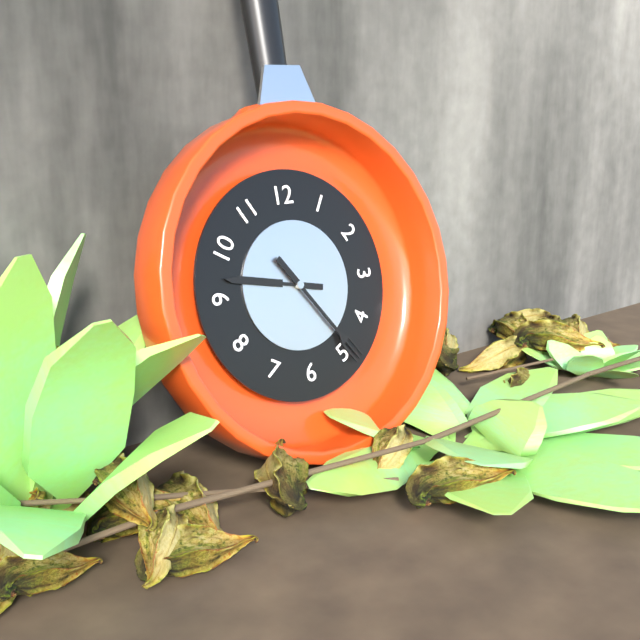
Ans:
**9:24**
